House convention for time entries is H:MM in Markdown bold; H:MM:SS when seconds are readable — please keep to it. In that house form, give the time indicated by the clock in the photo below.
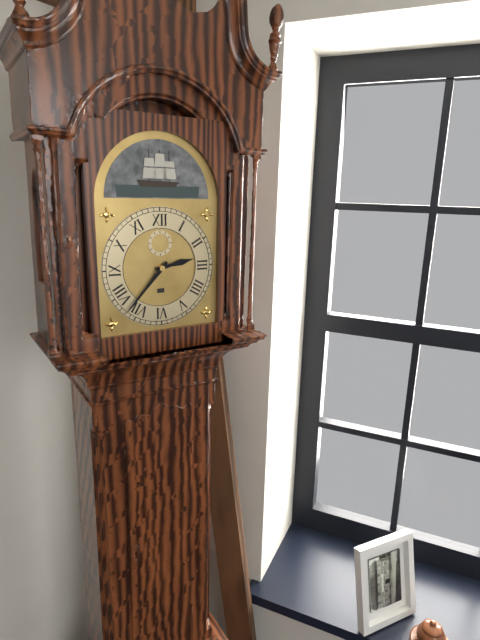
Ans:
**2:37**
